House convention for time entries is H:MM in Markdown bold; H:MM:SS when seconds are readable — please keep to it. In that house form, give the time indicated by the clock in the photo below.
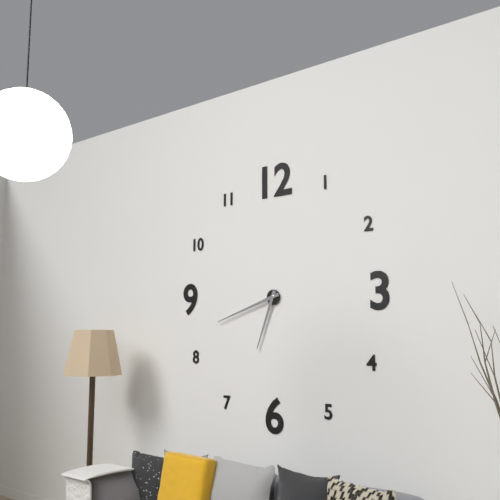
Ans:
**6:42**
